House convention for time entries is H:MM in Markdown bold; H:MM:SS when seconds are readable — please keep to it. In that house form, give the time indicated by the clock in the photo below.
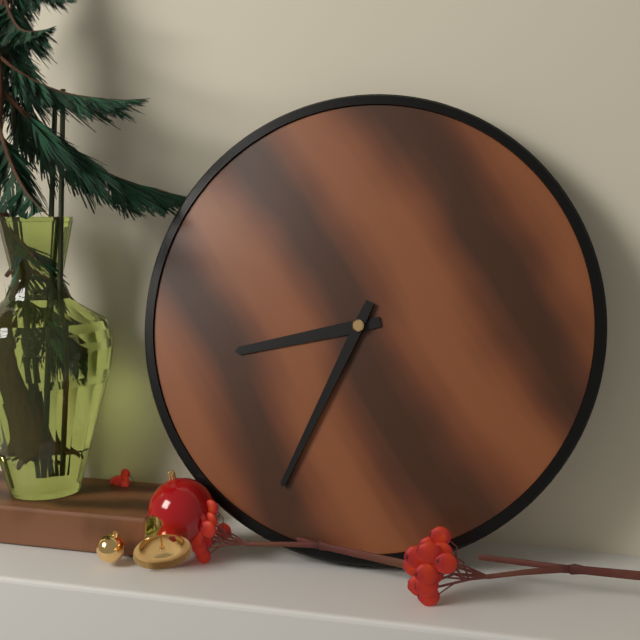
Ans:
**8:34**
